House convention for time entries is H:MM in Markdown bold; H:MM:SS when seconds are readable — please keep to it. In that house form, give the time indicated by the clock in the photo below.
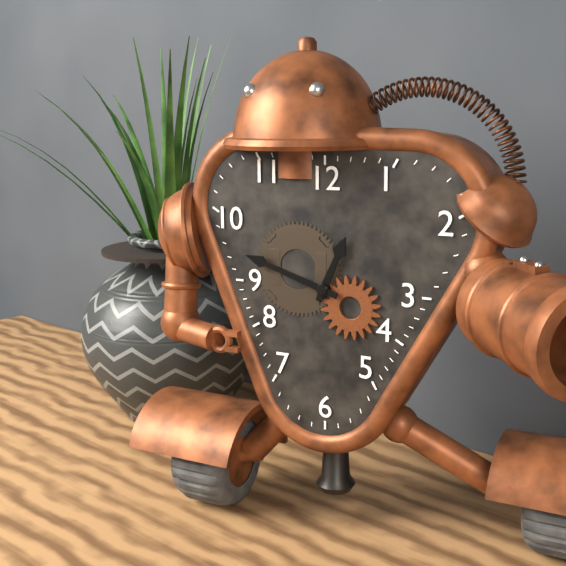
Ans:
**12:48**
